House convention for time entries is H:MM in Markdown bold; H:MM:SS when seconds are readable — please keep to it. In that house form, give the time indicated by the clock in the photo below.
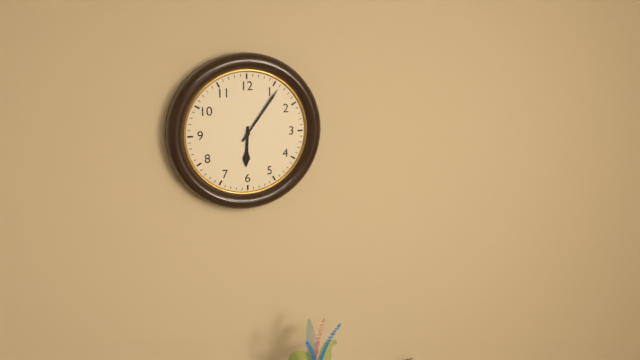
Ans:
**6:06**
